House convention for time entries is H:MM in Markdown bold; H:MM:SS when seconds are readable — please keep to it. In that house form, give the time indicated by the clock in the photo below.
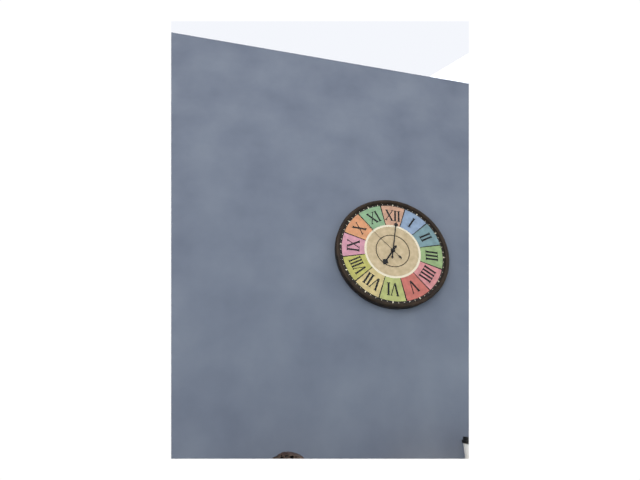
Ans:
**7:01**
